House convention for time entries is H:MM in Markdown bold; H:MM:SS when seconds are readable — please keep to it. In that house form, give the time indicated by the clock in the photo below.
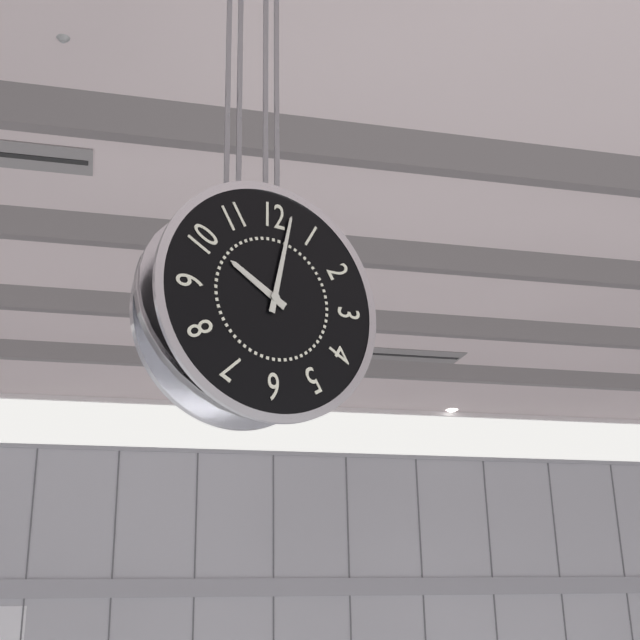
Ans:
**10:02**
